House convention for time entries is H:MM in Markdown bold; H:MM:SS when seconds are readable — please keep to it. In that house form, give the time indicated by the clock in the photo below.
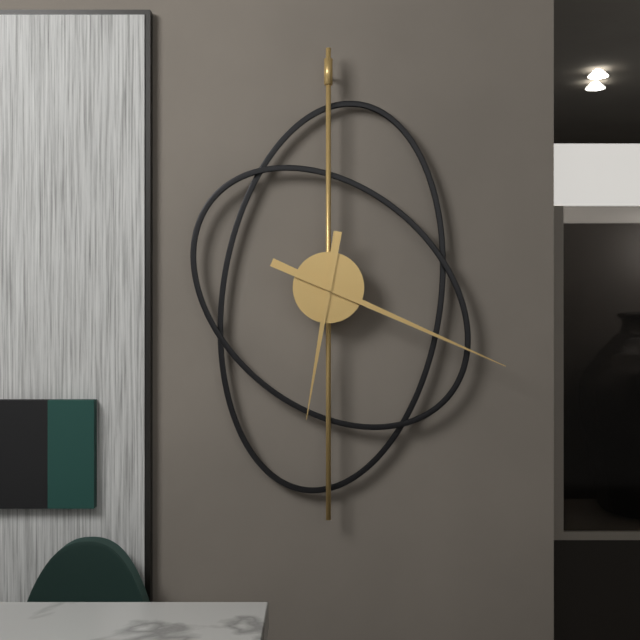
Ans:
**6:19**
